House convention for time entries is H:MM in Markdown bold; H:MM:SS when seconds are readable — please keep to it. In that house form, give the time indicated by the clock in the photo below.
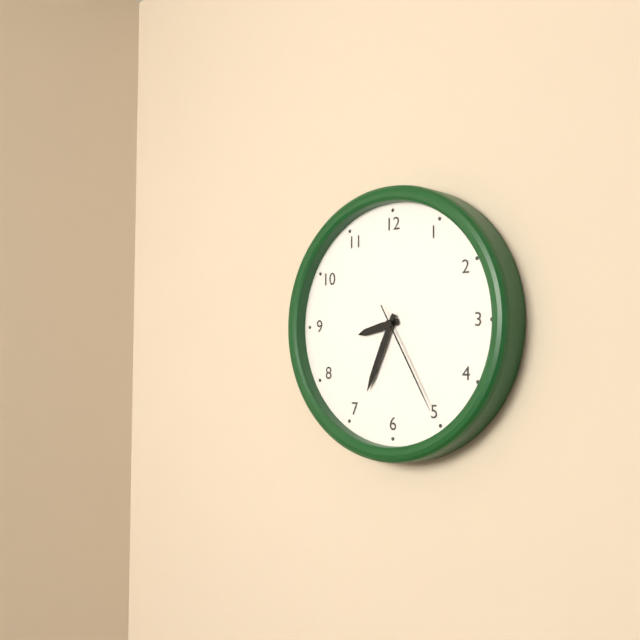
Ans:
**8:34:25**
